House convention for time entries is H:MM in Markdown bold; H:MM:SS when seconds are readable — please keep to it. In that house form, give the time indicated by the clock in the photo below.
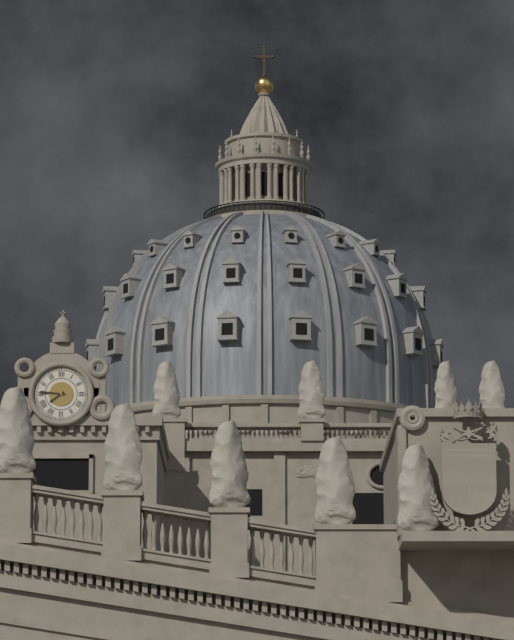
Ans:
**7:46**
